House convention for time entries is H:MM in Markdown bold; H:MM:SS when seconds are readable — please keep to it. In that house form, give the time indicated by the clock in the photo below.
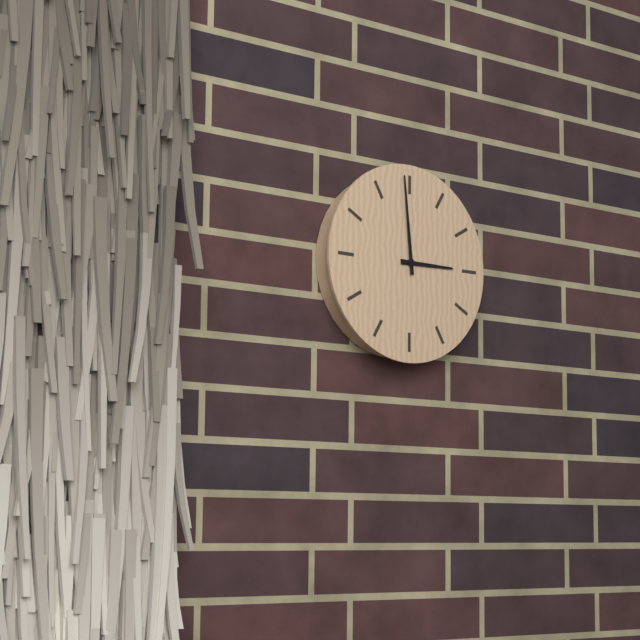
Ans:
**2:59**
